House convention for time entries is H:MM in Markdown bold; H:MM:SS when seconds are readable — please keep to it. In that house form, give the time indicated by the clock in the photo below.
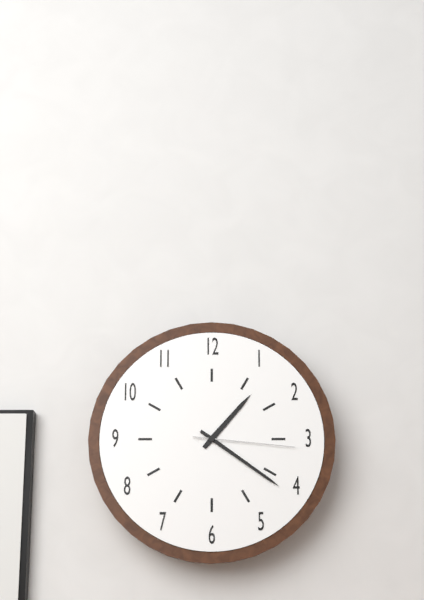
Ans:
**1:21:16**
